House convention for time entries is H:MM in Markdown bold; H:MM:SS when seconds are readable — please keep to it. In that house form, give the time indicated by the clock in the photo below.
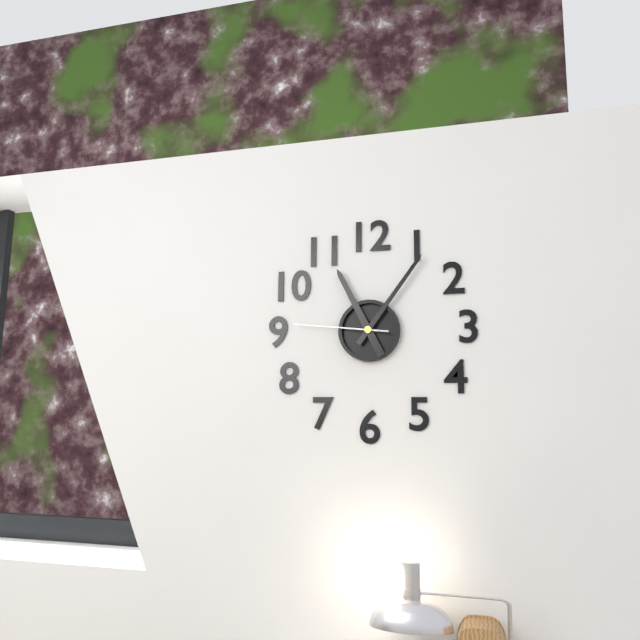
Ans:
**11:06:46**
